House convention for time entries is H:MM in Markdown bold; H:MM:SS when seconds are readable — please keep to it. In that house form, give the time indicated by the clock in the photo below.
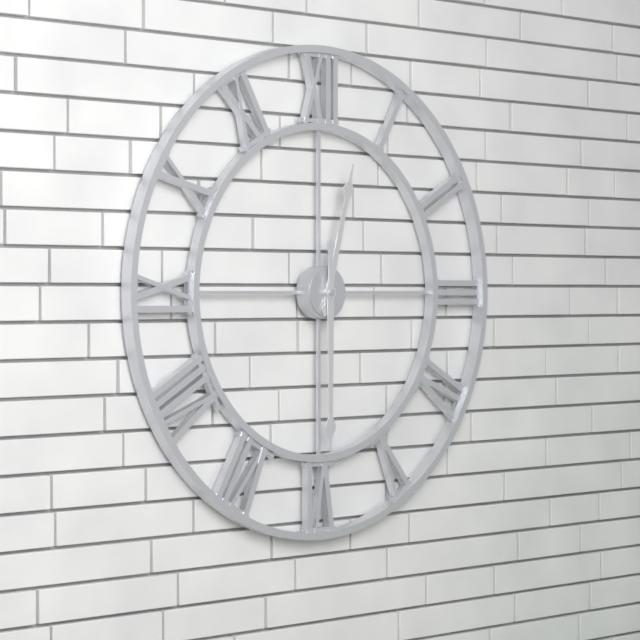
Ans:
**12:30**
